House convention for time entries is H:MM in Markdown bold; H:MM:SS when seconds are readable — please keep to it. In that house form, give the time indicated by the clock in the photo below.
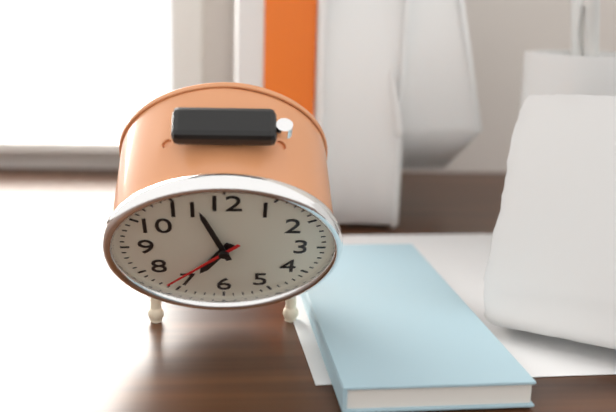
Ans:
**6:57:37**
